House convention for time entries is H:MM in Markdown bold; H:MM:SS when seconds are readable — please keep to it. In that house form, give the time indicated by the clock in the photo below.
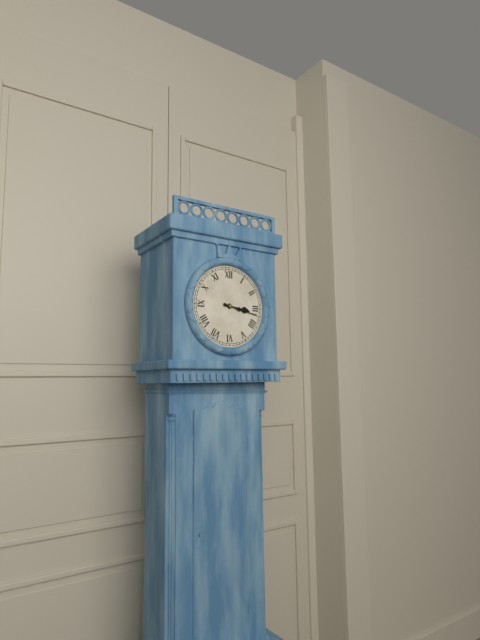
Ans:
**3:17**
